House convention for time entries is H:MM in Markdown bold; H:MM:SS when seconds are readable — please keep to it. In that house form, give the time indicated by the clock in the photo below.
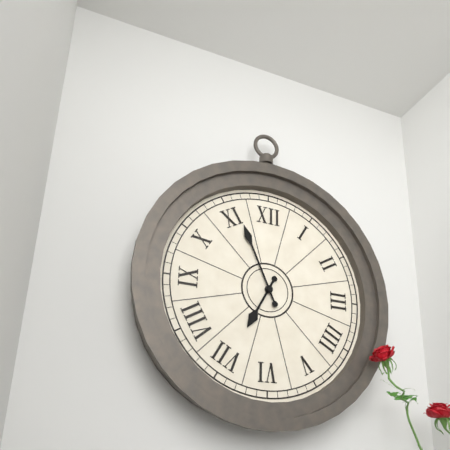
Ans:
**6:56**
